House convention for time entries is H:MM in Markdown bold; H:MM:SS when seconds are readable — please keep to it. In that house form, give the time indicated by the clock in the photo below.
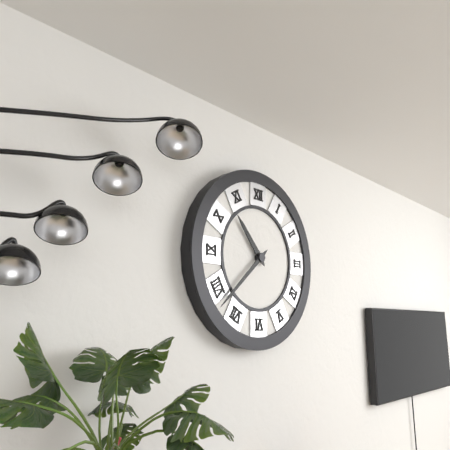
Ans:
**10:38**
